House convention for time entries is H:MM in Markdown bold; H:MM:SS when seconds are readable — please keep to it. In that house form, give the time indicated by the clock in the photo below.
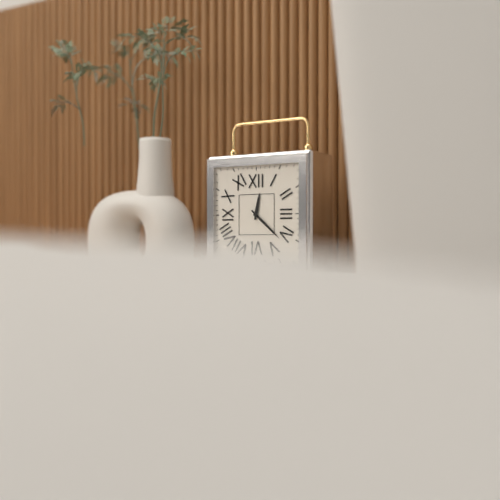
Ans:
**12:22**
